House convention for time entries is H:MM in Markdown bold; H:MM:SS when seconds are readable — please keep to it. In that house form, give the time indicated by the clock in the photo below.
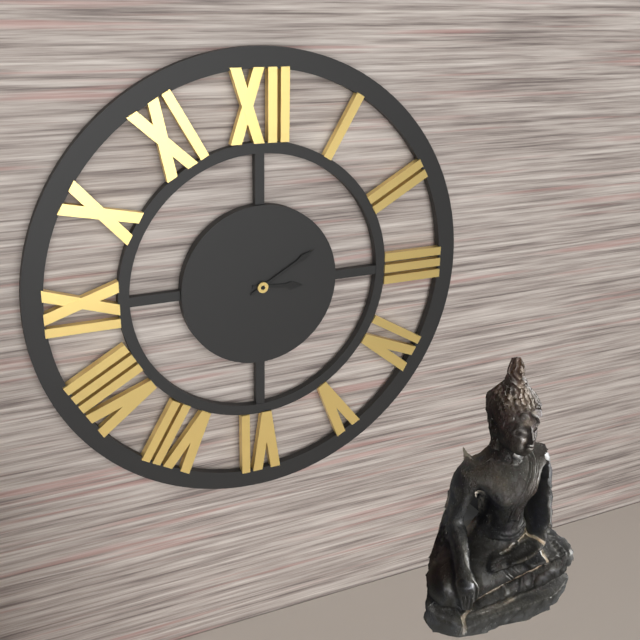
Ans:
**3:10**
